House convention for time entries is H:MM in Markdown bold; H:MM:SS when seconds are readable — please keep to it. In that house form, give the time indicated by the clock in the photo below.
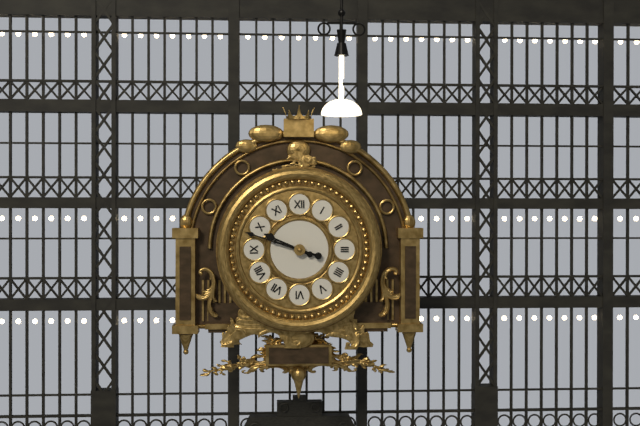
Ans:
**9:48**
